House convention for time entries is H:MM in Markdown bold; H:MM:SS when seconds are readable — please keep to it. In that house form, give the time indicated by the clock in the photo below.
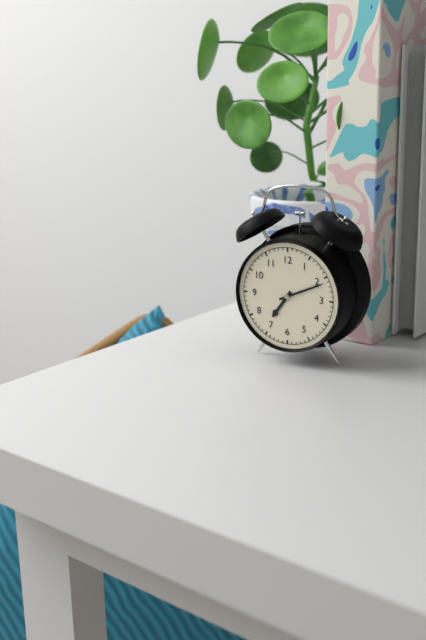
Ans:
**7:11**
